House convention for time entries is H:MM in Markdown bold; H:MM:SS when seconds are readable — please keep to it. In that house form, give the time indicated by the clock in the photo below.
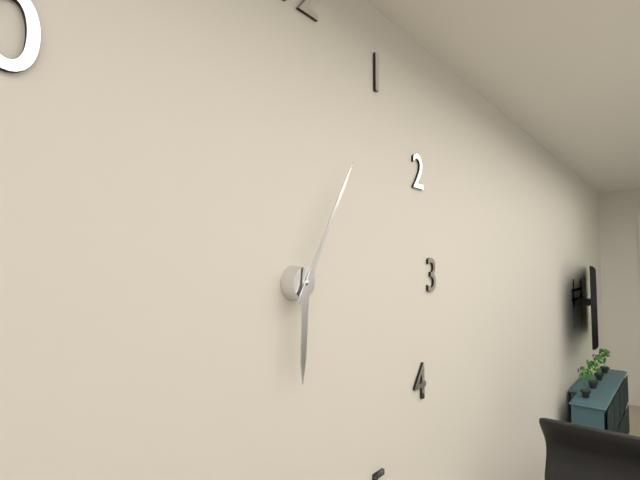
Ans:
**6:05**
